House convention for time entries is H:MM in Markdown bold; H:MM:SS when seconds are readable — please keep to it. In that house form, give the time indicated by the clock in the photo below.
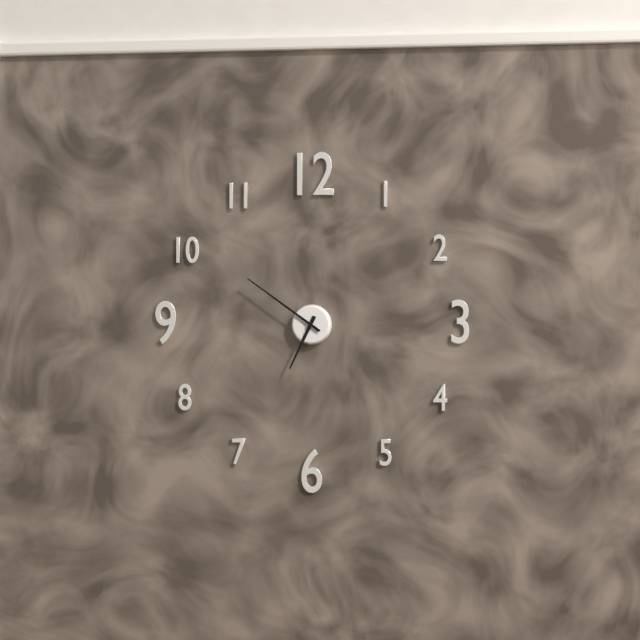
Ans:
**6:51**
